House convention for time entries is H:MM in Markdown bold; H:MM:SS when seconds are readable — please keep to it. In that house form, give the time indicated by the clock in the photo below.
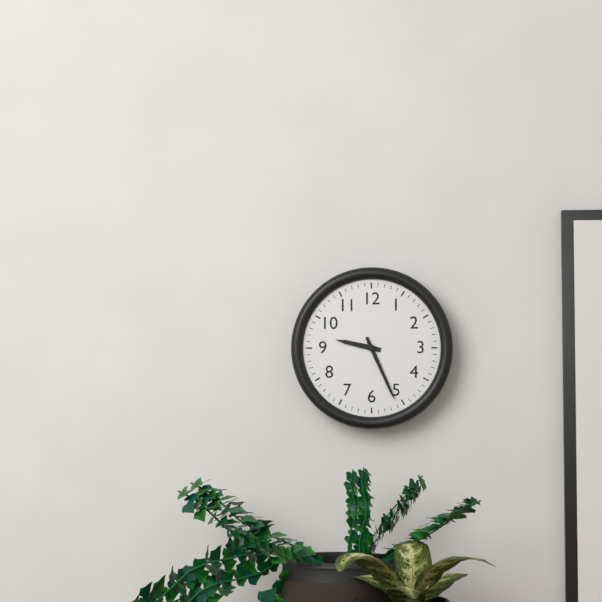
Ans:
**9:26**
